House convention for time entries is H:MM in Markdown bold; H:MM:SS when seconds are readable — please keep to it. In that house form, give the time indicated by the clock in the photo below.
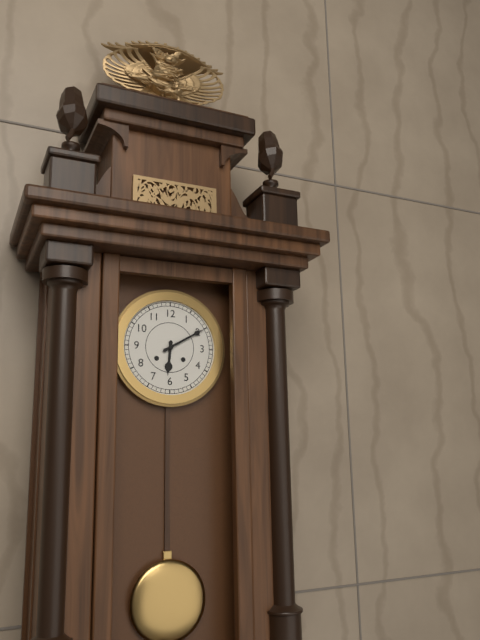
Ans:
**6:10**
